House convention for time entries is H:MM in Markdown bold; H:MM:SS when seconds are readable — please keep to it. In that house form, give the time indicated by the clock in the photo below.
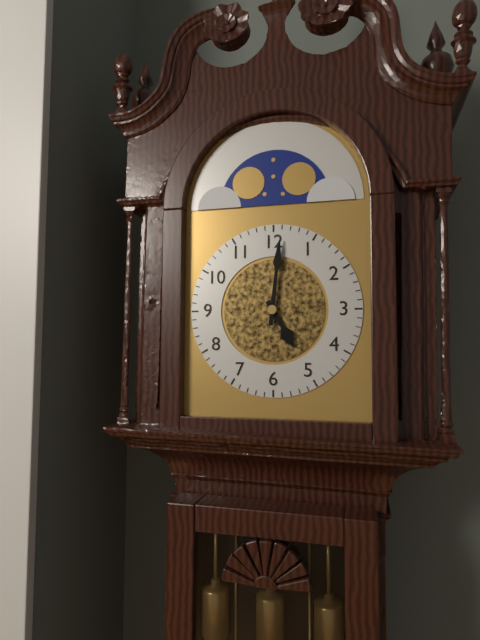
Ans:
**5:01**
